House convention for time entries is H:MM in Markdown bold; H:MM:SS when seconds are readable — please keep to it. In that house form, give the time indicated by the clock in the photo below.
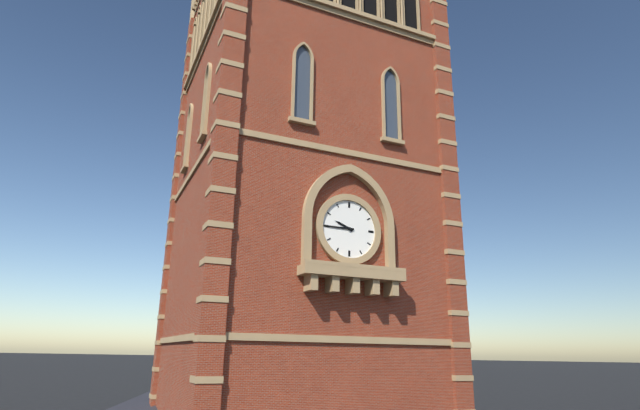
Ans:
**9:45**
